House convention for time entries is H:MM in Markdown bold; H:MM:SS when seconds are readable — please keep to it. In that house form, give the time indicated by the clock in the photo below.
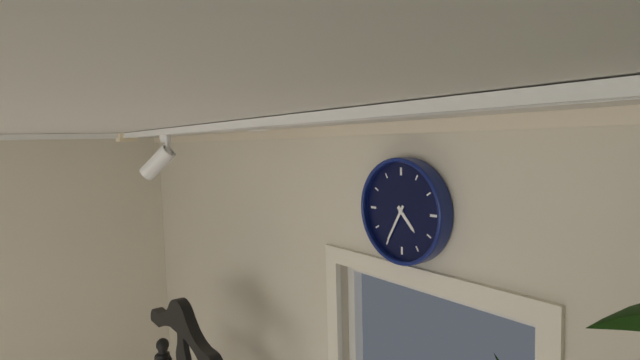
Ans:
**4:35**
